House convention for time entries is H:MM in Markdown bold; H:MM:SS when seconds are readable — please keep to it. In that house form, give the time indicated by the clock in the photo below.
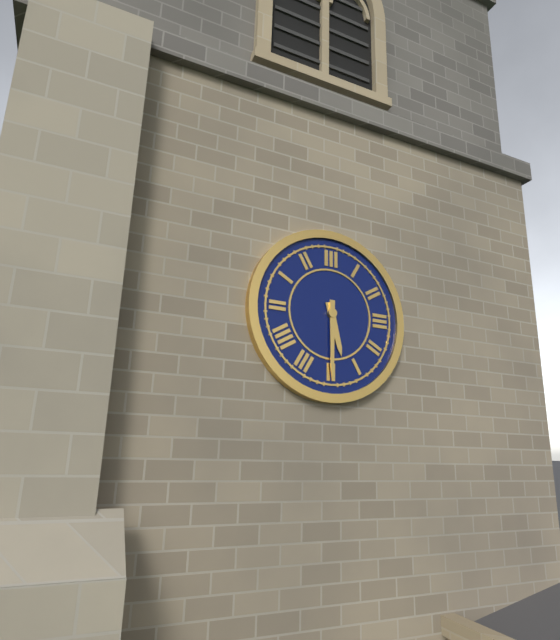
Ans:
**5:30**
